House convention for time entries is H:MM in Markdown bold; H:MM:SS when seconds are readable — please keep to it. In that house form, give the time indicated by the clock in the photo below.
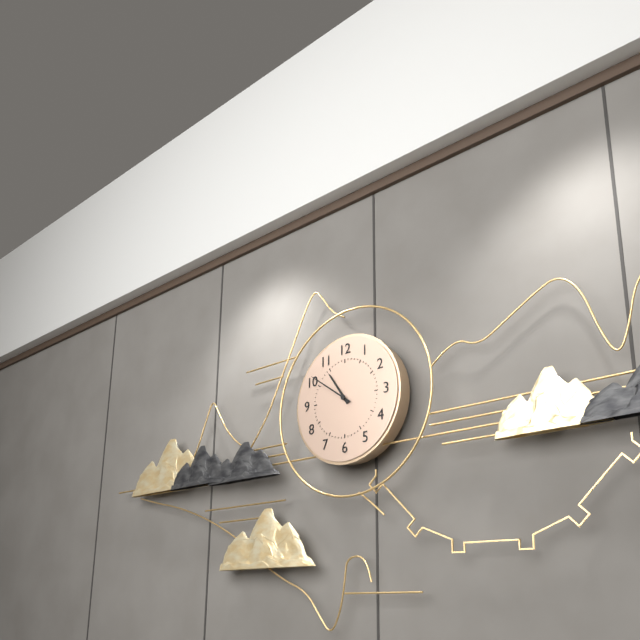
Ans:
**10:51**
